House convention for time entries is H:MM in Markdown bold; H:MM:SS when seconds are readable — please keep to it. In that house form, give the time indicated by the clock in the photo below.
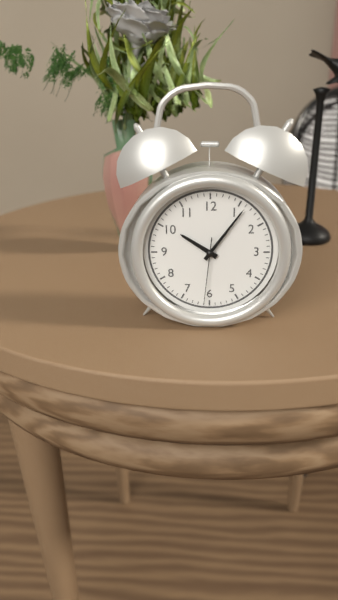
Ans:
**10:06:31**
